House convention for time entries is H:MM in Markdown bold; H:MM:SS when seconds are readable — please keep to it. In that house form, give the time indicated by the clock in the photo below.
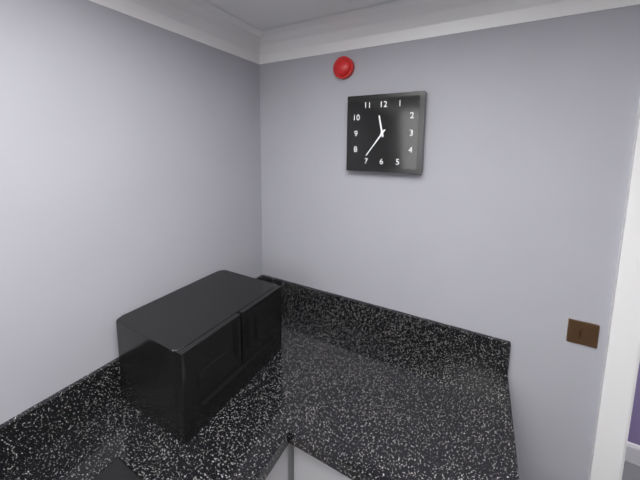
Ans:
**11:36**
